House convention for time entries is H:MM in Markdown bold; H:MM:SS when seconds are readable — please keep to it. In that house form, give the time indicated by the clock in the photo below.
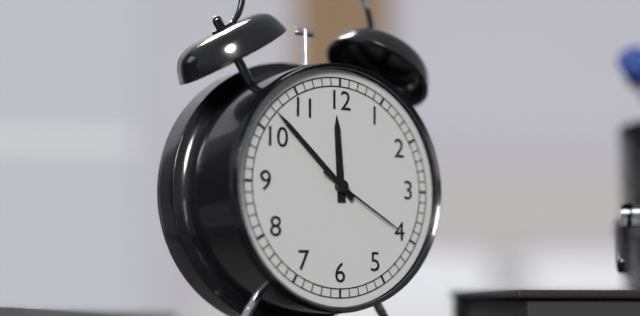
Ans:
**11:52:20**
